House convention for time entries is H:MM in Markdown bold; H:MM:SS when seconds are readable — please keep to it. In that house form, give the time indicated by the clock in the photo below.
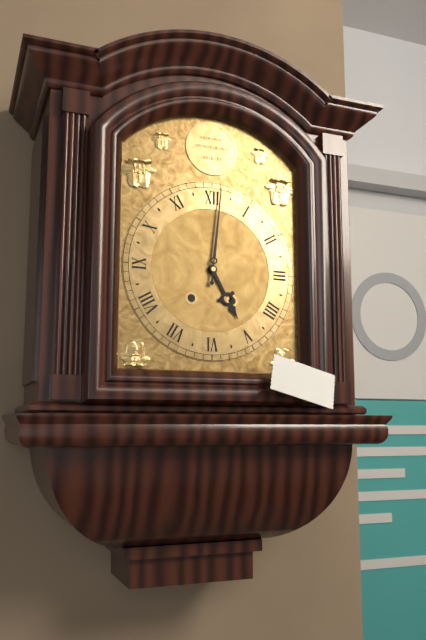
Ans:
**5:01**
